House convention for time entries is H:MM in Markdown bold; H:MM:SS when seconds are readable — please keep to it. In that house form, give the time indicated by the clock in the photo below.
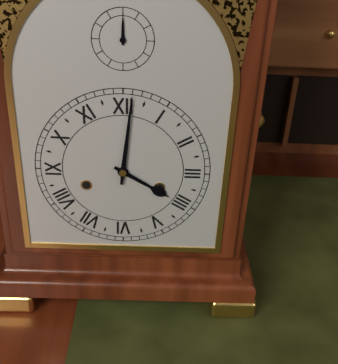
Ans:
**4:01**
